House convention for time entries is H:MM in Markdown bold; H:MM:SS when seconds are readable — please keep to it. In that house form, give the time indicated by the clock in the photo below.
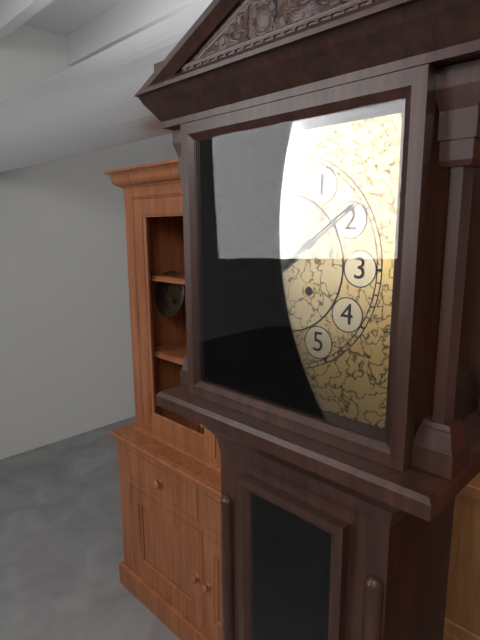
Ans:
**8:09**
